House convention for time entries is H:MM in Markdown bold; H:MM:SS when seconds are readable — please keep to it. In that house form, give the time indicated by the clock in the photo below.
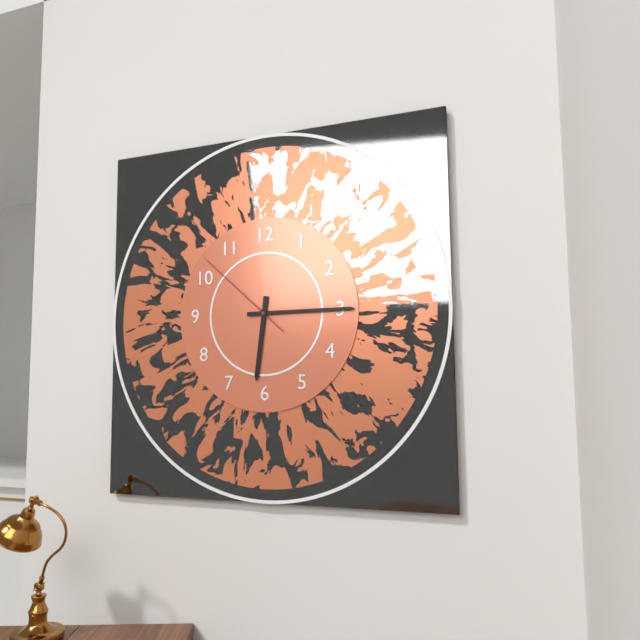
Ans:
**6:15:52**
